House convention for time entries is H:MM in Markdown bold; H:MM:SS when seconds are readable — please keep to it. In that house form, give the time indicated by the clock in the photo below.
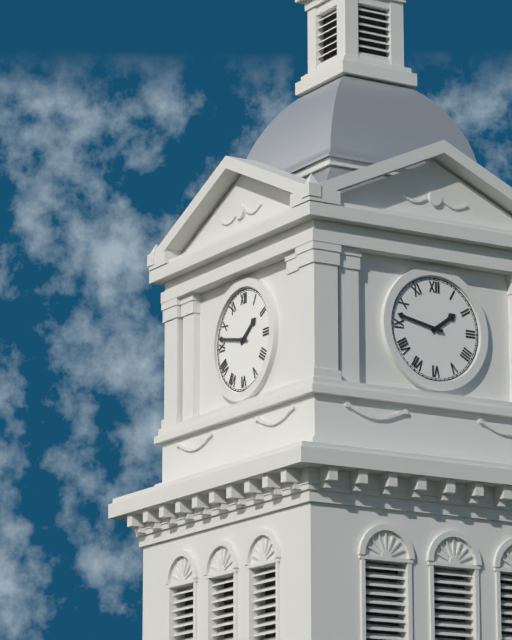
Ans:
**1:47**
